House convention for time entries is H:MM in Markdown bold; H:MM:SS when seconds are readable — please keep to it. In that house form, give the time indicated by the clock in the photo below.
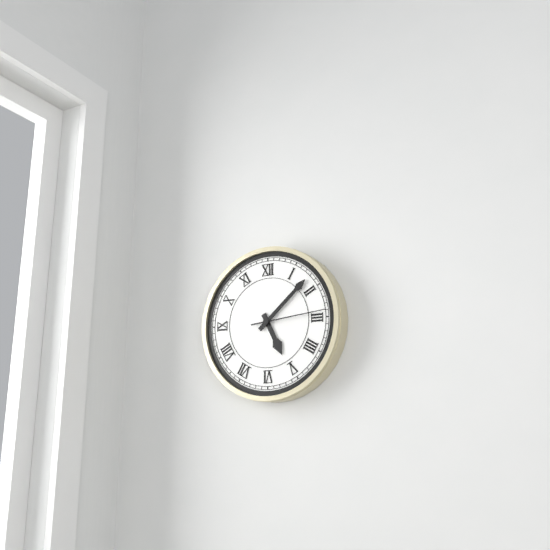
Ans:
**5:08:14**
